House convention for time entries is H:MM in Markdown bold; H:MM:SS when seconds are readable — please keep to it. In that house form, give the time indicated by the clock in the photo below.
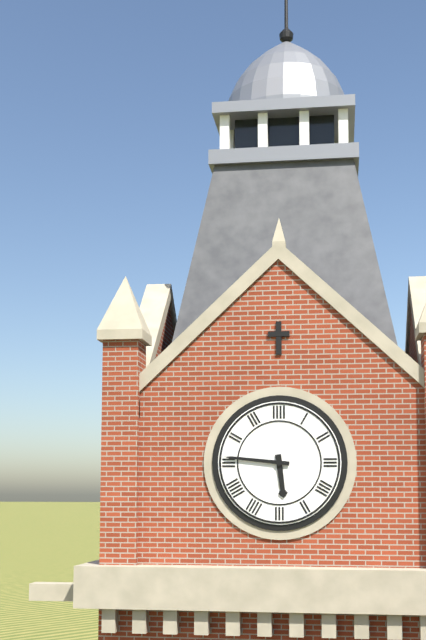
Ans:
**5:46**
